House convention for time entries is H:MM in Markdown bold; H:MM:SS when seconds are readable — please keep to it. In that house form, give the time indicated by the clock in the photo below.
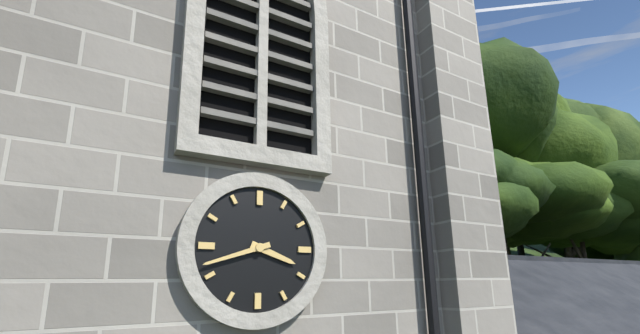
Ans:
**3:42**
